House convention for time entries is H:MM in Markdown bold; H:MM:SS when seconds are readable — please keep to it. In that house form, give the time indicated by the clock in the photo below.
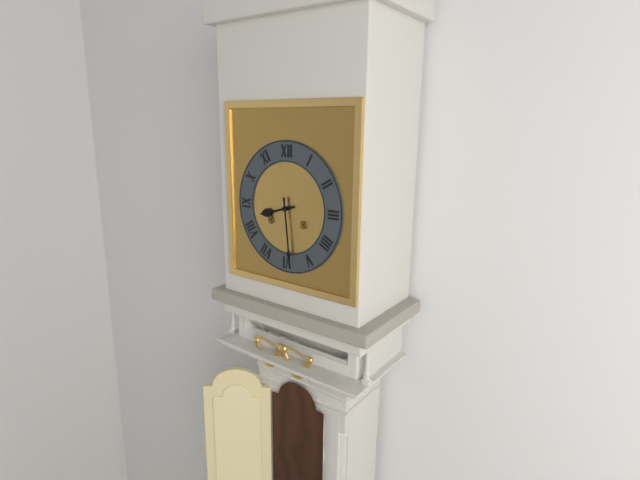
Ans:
**8:29**
